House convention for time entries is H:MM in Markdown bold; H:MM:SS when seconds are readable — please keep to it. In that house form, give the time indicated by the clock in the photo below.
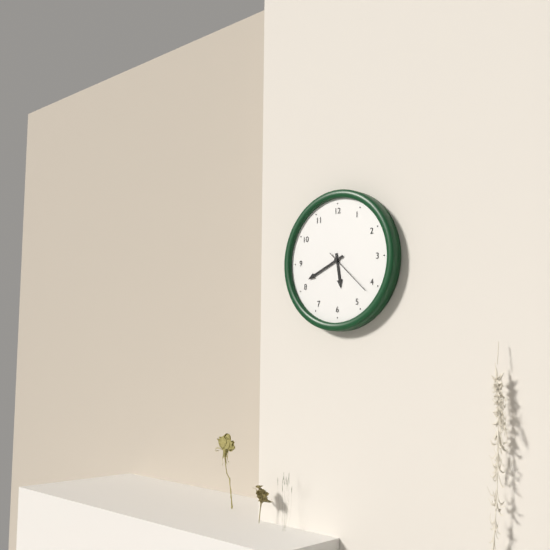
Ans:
**5:41:22**
